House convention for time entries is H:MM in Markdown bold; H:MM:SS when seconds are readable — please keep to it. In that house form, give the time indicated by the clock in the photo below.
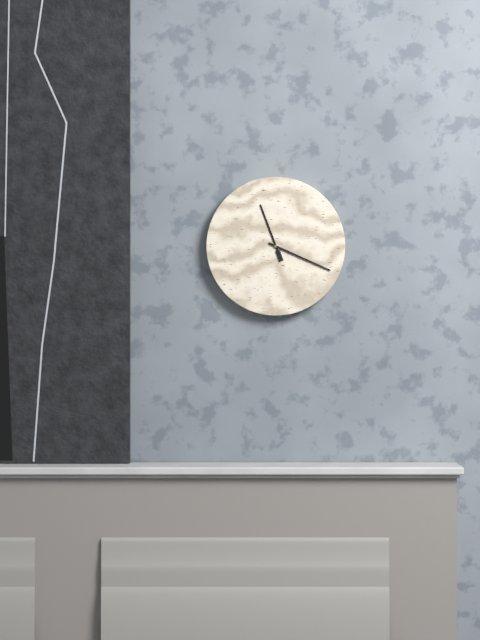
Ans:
**11:19**
